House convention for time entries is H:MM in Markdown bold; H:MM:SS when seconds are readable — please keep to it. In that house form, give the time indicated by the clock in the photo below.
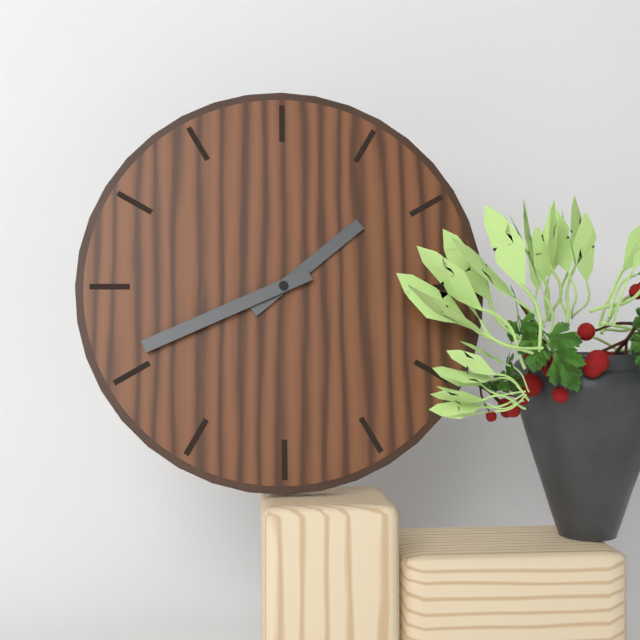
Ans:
**1:41**
